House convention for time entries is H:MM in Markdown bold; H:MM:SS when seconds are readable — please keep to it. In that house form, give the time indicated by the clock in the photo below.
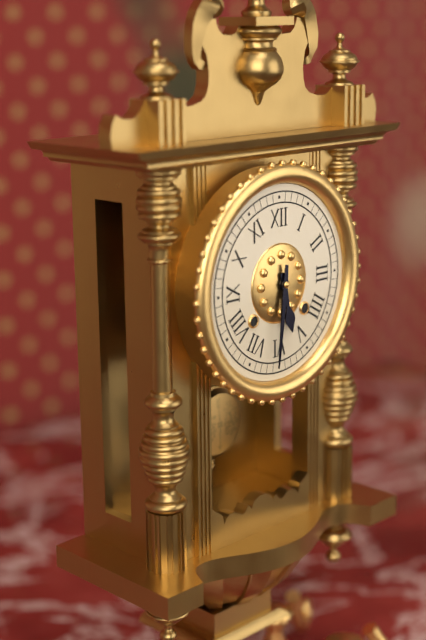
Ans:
**5:31**
